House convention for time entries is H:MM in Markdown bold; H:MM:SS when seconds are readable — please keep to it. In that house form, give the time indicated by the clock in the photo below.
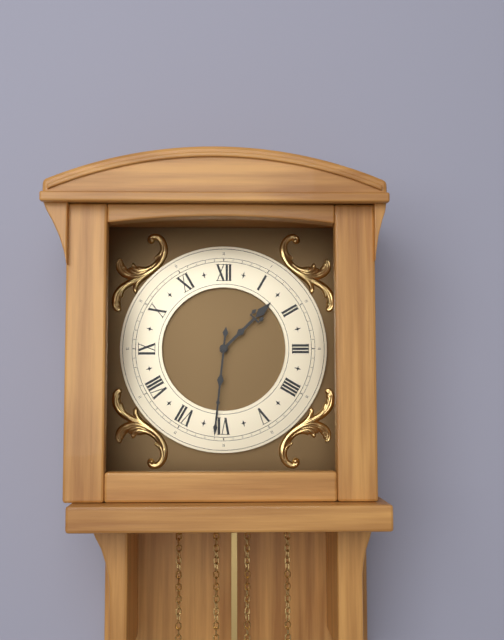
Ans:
**1:31**
